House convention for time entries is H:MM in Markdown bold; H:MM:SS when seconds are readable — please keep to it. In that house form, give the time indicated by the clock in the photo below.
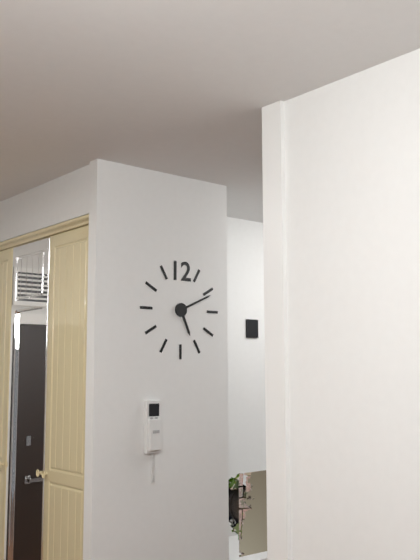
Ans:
**5:11**
